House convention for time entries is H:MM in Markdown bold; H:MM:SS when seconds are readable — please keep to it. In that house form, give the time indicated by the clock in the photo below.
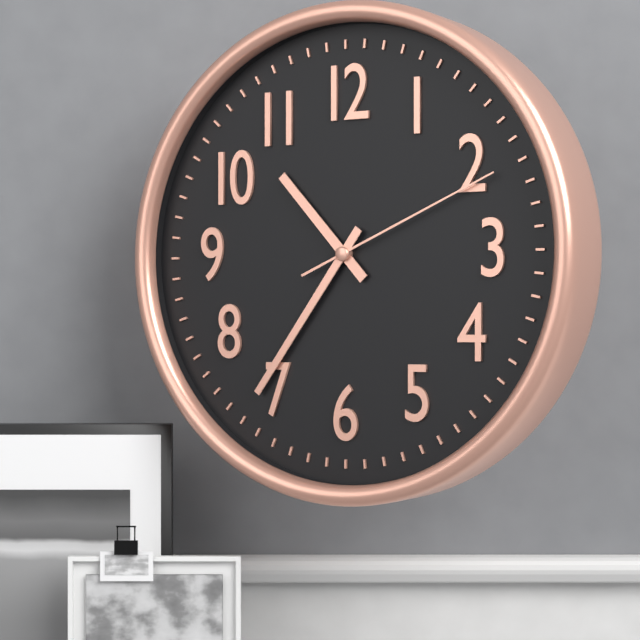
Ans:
**10:36:11**
